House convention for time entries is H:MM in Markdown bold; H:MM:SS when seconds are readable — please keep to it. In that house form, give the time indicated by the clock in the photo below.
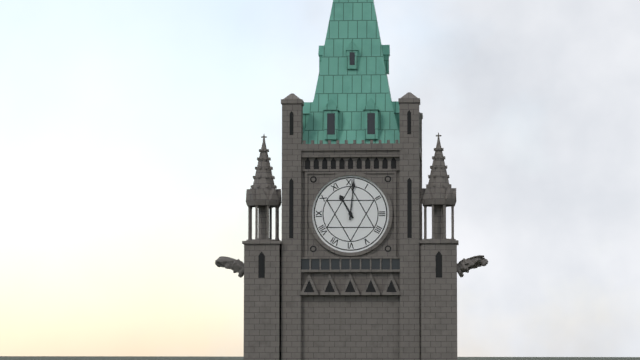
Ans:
**11:01**
